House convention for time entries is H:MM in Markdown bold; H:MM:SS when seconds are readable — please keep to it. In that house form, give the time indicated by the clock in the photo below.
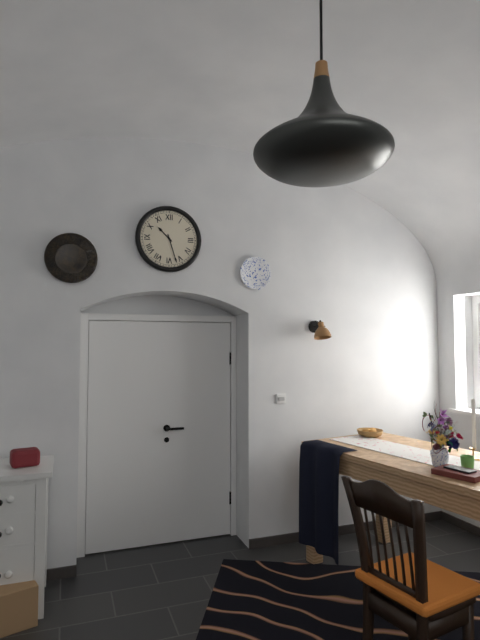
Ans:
**10:27**
